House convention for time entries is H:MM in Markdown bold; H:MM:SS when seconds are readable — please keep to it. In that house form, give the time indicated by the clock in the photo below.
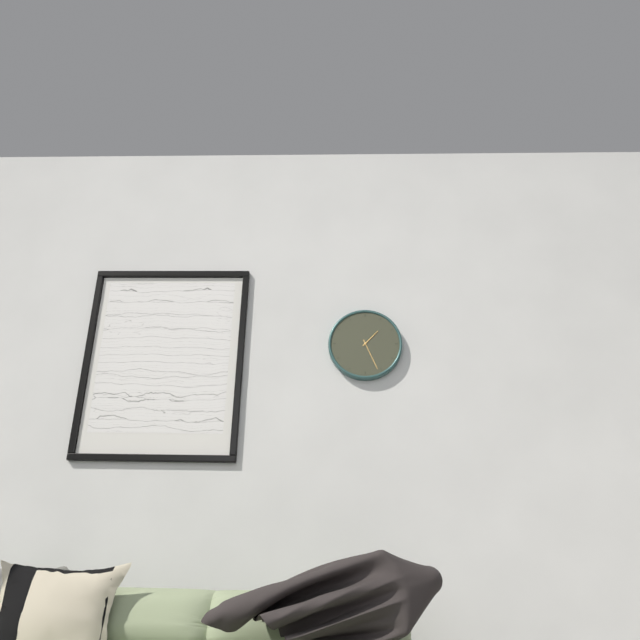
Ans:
**1:26**
